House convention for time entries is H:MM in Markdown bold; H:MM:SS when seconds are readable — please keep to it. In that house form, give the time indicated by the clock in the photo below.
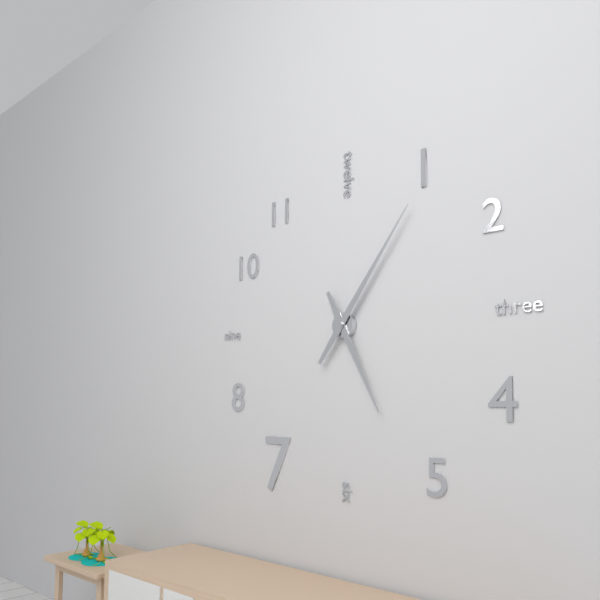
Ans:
**5:06**
